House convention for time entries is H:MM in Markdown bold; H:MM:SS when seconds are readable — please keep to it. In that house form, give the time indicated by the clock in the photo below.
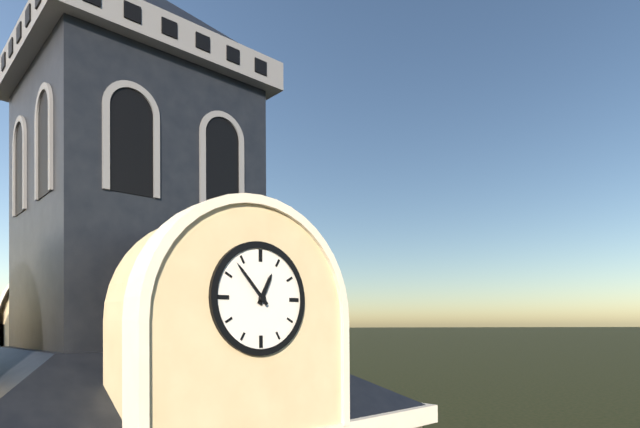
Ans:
**12:53**
